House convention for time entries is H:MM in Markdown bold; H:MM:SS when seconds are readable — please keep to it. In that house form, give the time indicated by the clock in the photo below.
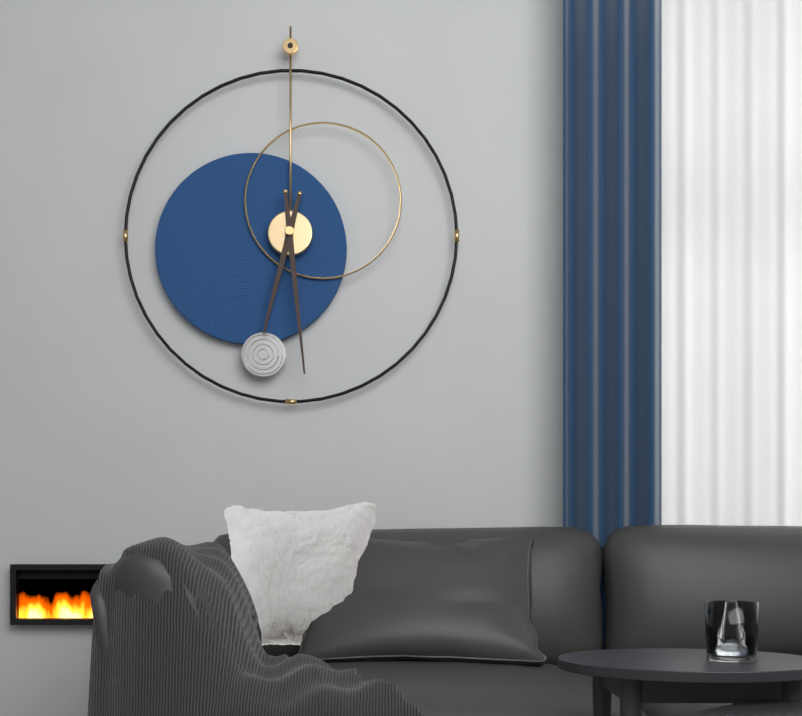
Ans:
**6:29**
